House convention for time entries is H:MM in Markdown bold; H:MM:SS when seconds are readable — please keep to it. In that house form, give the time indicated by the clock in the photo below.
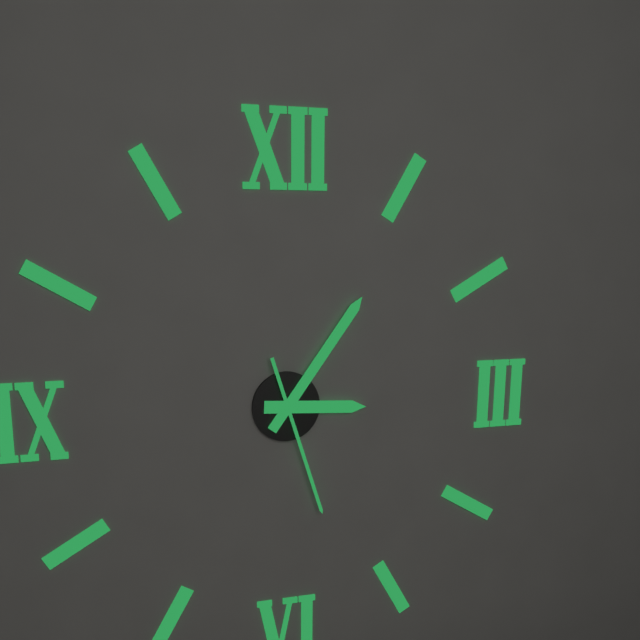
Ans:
**3:06:27**
